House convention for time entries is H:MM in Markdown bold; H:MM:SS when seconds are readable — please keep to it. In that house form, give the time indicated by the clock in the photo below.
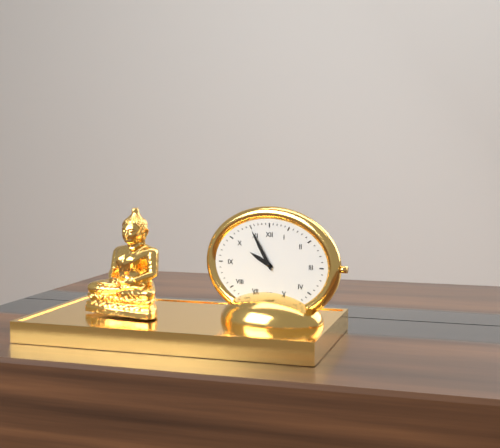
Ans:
**9:55**
